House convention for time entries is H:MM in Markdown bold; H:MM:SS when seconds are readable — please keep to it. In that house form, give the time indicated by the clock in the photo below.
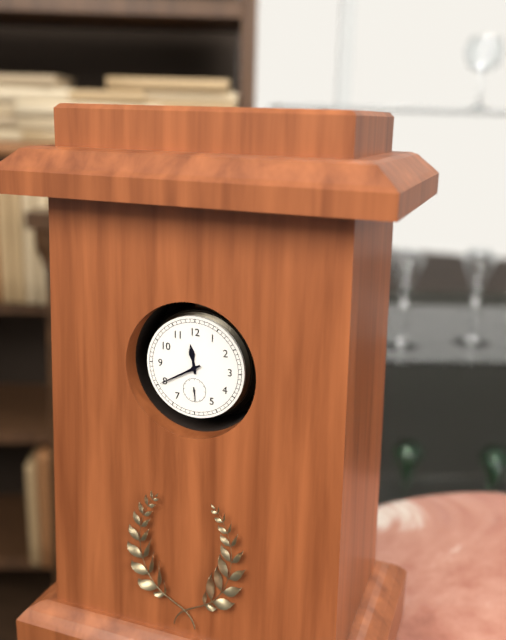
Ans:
**11:40**
